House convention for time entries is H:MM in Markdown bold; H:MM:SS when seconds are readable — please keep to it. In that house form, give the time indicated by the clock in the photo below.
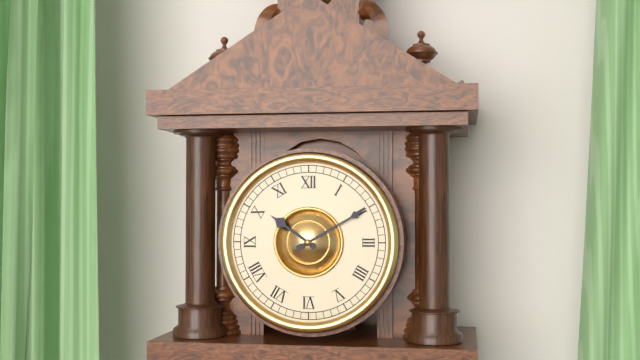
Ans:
**10:10**
